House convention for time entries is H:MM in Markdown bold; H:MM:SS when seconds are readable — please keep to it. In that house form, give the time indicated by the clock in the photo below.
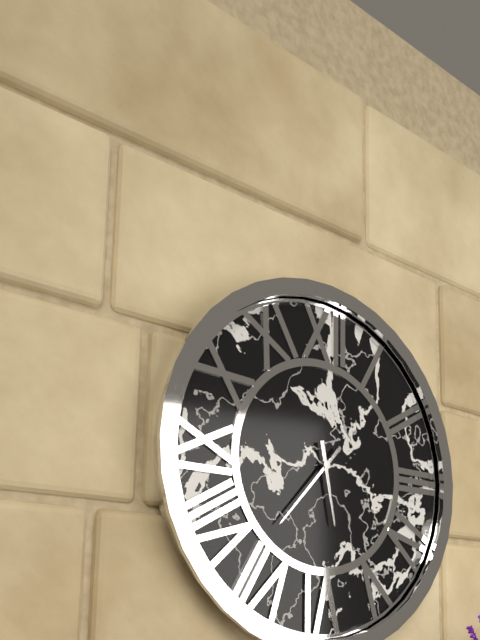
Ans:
**5:37**
